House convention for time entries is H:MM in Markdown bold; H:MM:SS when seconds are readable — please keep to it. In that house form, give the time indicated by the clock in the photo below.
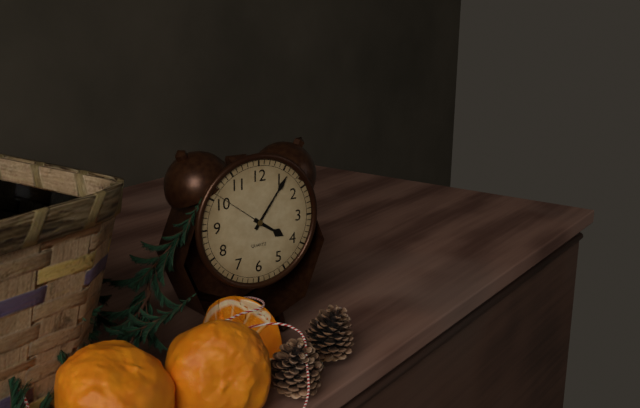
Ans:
**4:06:51**
